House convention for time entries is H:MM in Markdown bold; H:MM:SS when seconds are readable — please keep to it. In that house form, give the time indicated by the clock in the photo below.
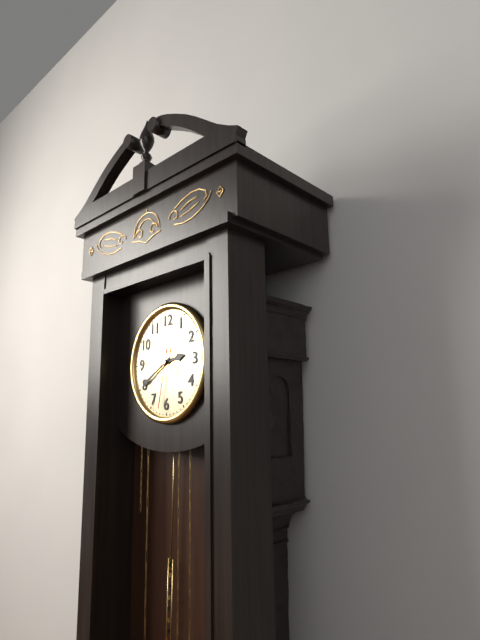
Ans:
**2:40:32**
